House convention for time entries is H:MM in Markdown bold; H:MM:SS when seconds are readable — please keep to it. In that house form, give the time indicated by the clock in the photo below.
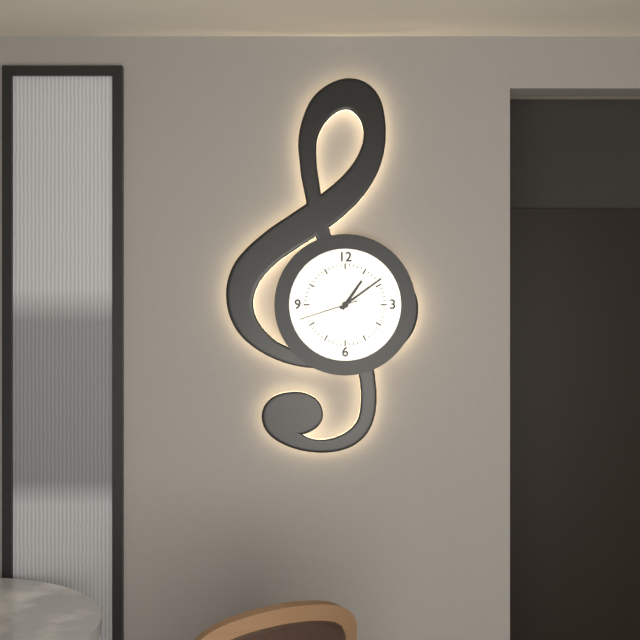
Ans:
**1:09:42**
